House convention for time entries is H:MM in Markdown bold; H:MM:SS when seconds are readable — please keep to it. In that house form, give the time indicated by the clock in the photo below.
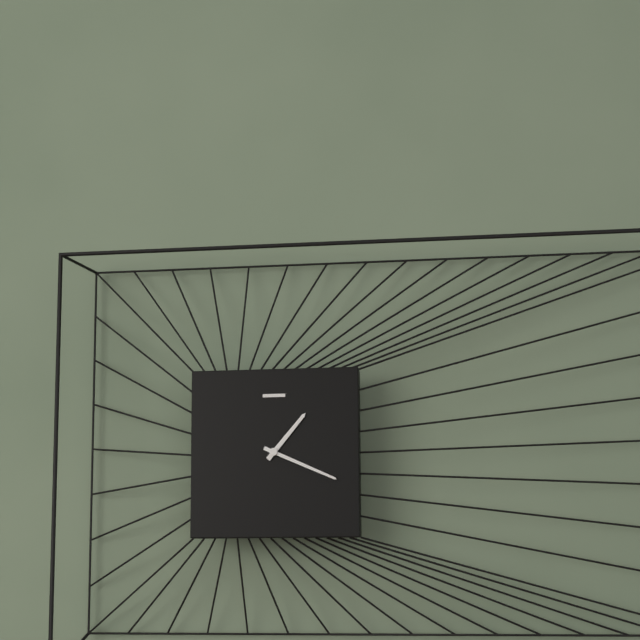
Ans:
**1:19**
